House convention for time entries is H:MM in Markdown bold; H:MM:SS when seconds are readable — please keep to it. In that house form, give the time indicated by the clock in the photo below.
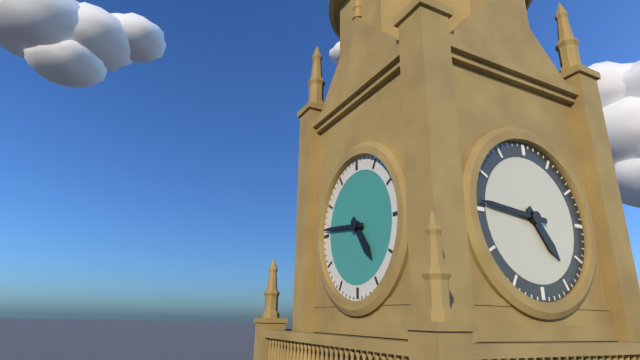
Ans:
**4:46**
